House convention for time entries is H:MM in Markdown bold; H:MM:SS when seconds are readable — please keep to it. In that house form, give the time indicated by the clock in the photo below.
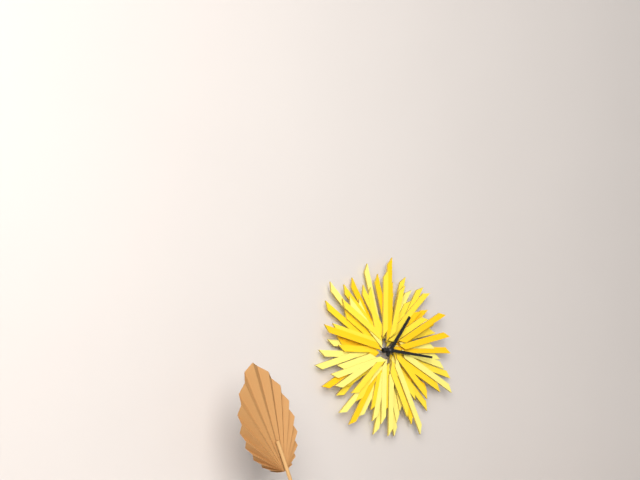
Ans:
**1:16**
